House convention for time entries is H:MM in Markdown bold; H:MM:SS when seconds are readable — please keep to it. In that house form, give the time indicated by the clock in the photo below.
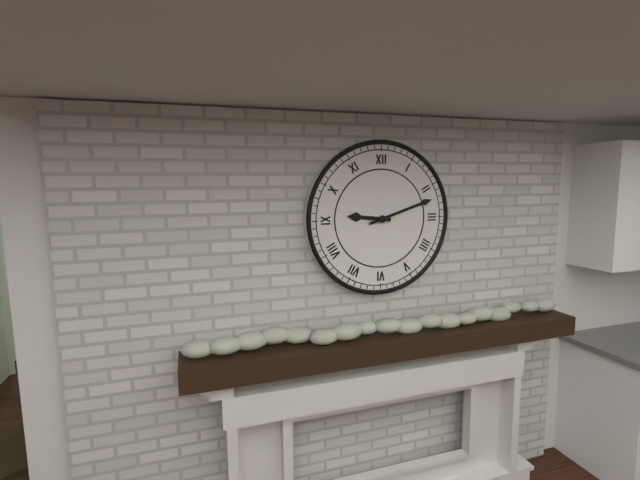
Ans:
**9:12**
